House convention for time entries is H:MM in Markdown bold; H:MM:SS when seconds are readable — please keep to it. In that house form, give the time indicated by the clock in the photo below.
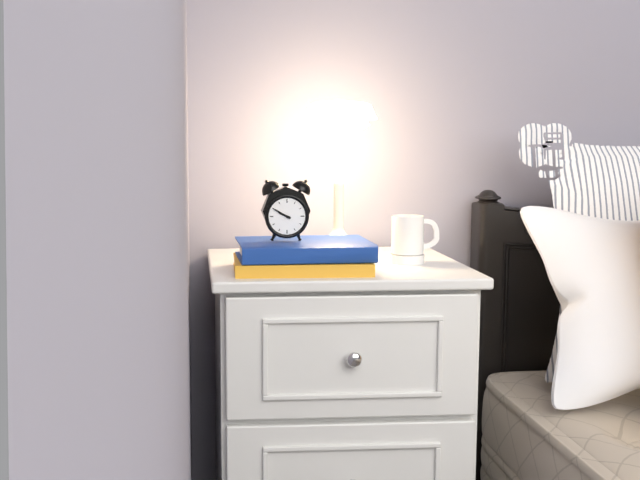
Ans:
**9:50**
